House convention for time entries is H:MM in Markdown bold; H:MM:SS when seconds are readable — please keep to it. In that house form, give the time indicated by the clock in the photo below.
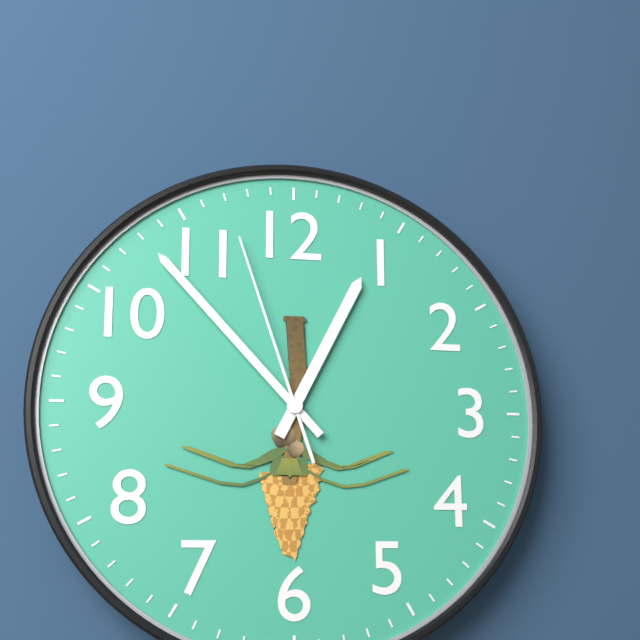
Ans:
**12:53:57**
